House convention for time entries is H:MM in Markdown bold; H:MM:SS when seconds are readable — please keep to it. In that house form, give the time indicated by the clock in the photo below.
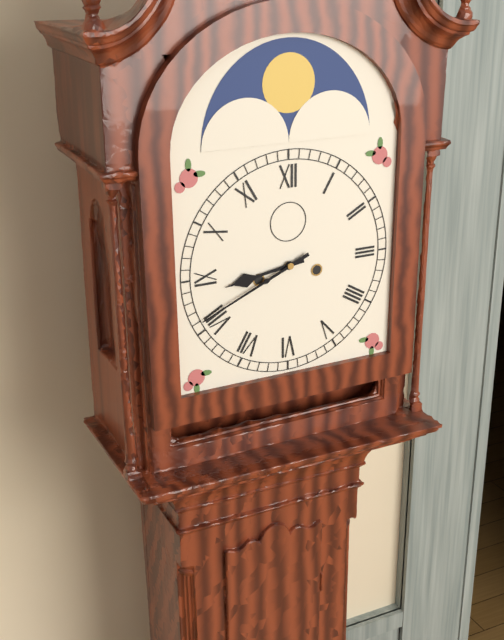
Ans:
**8:41**
